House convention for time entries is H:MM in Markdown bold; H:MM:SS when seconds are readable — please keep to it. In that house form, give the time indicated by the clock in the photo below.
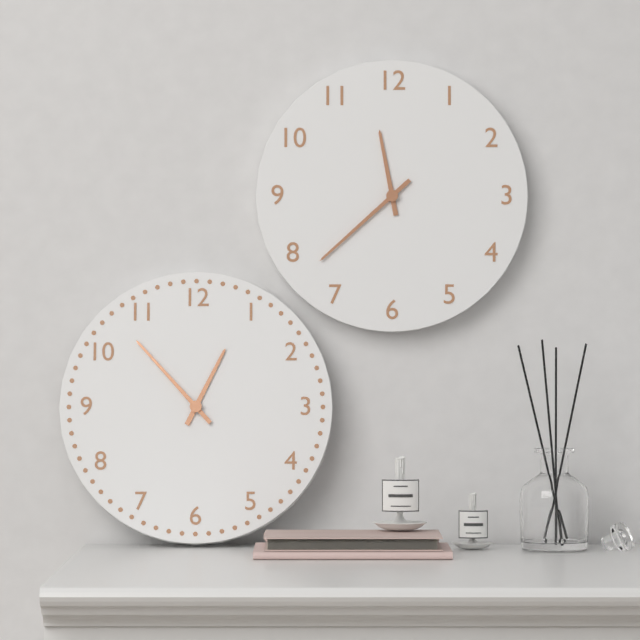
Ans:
**11:38**
